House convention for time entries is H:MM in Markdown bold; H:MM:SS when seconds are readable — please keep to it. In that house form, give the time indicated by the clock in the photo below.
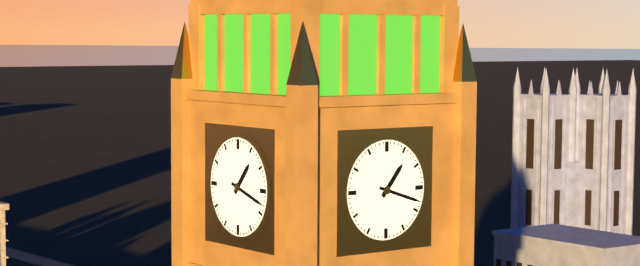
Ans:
**1:18**
